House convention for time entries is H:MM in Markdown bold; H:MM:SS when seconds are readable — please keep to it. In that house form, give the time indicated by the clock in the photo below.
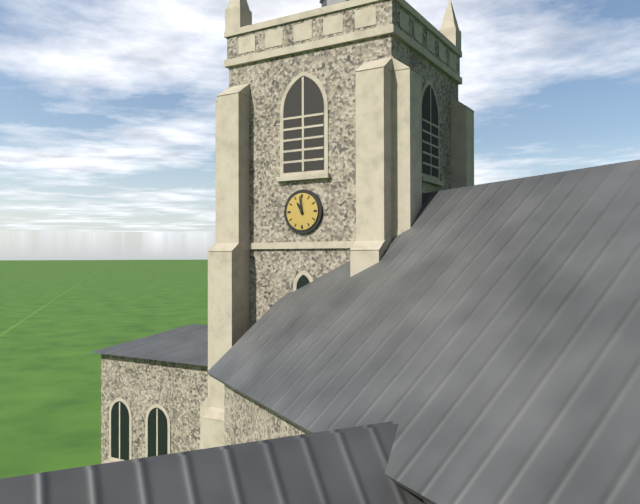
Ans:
**10:59**
